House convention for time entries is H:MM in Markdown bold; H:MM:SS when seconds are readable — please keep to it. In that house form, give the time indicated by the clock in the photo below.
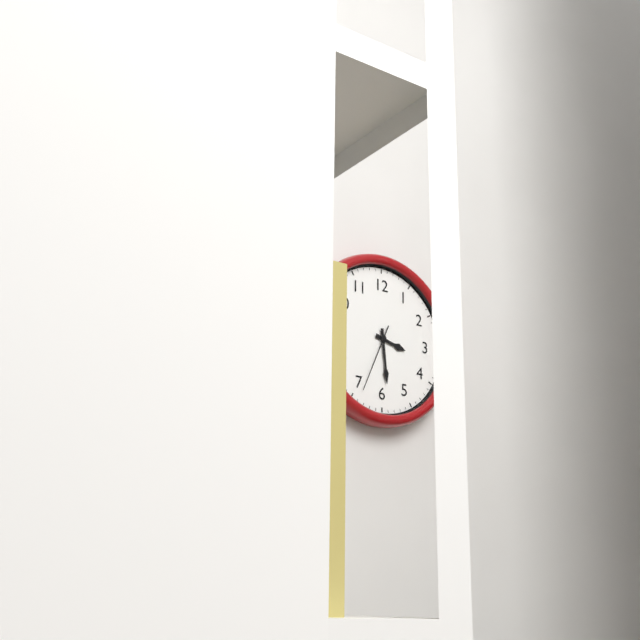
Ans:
**3:29:34**
